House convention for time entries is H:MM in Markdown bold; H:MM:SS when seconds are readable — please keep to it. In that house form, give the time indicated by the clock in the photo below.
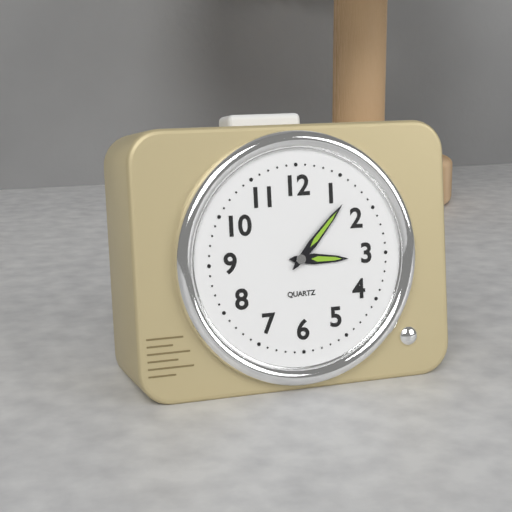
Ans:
**3:07**
